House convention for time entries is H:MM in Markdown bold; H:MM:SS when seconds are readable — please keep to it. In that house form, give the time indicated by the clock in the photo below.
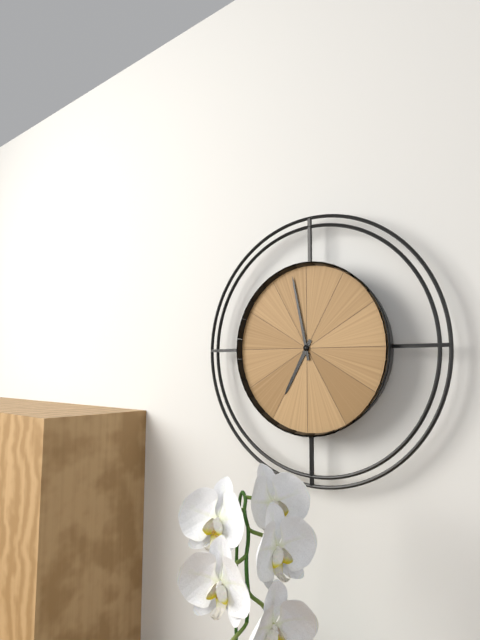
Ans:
**6:58**
